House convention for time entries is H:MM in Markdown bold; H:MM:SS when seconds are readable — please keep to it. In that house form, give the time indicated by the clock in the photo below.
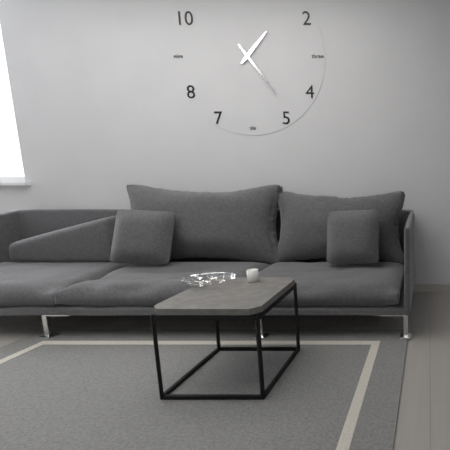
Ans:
**1:24**
